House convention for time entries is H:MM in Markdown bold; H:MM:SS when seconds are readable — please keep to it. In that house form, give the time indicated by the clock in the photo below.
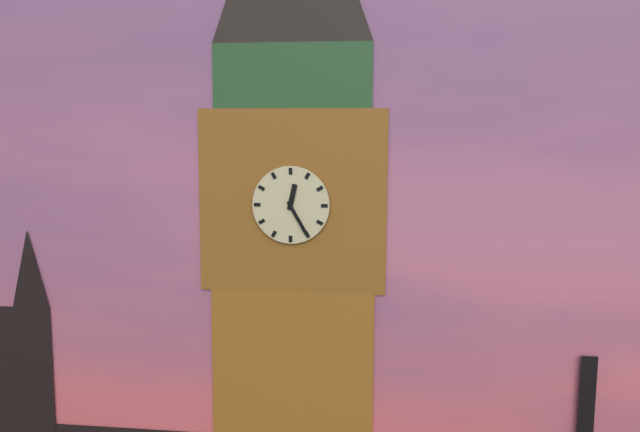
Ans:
**12:25**
